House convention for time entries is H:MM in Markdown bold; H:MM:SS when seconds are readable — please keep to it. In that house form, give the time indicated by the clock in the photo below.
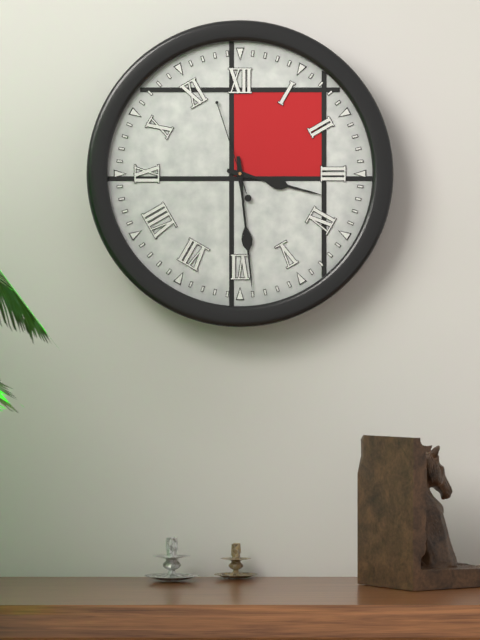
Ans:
**3:29:57**
